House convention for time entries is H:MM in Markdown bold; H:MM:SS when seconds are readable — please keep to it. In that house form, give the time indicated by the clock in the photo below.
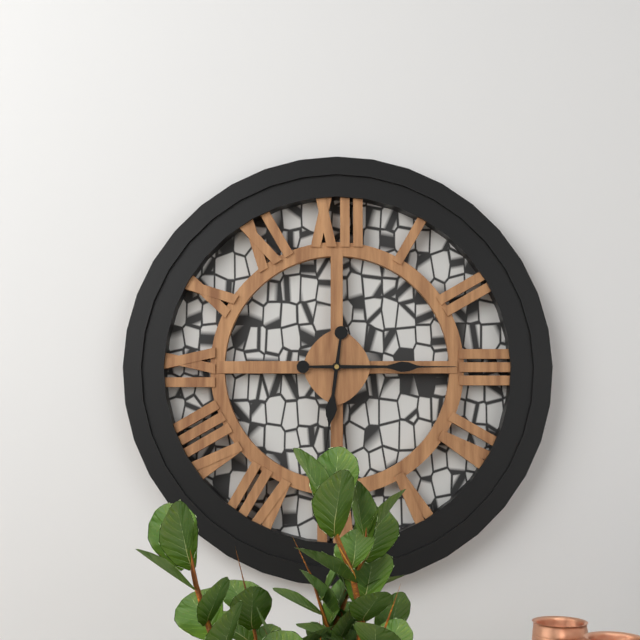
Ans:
**6:15**
